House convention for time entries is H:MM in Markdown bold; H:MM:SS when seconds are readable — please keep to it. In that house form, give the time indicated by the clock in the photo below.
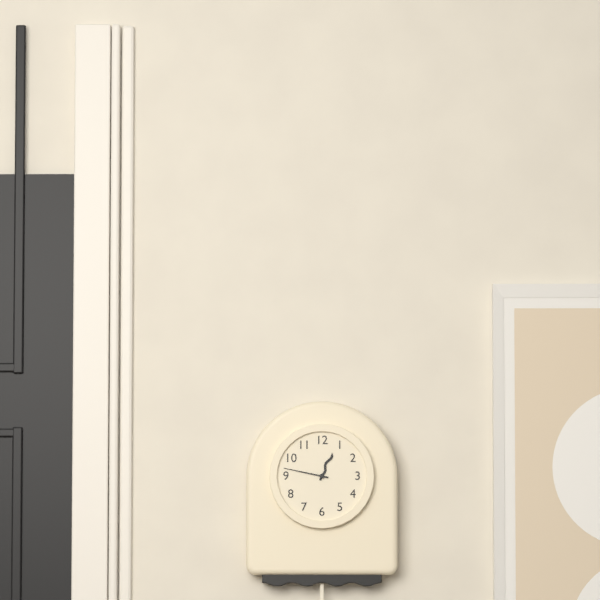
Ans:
**12:47**
